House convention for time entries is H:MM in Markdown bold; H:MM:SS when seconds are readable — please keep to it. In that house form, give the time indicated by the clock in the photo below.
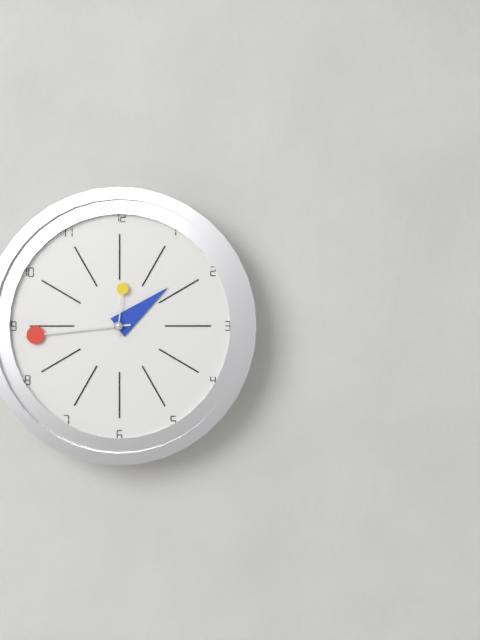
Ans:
**1:44:01**
